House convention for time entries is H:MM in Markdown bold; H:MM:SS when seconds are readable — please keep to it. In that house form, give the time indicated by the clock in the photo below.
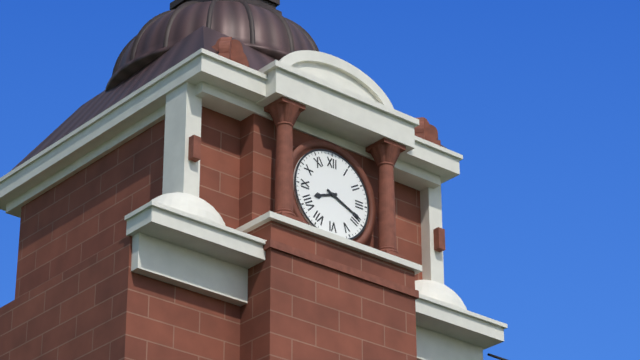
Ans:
**8:19**
